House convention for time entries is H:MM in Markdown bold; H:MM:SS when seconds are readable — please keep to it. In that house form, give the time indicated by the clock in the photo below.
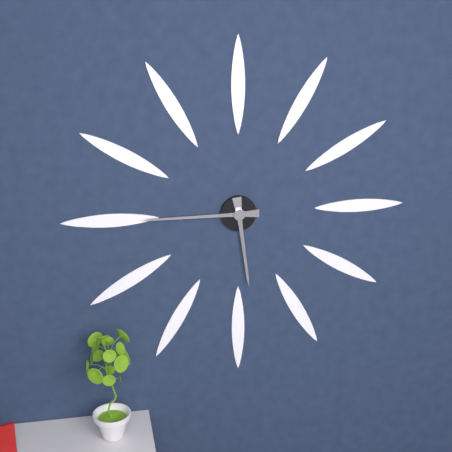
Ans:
**5:45**
